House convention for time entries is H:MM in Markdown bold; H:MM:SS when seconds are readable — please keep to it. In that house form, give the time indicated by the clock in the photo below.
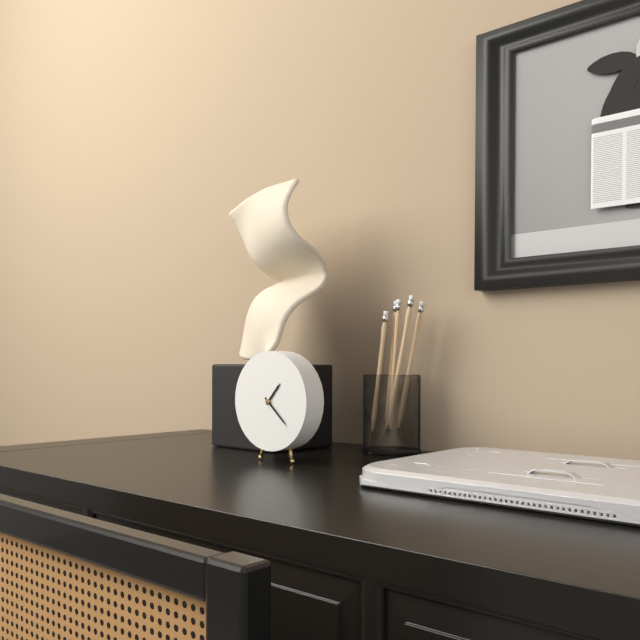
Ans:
**1:22**
